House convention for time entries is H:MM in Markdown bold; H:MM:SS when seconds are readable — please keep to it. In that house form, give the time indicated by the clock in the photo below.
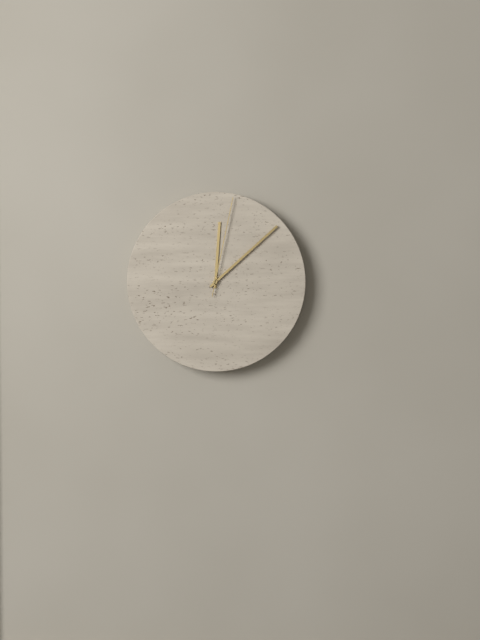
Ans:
**12:08:02**
